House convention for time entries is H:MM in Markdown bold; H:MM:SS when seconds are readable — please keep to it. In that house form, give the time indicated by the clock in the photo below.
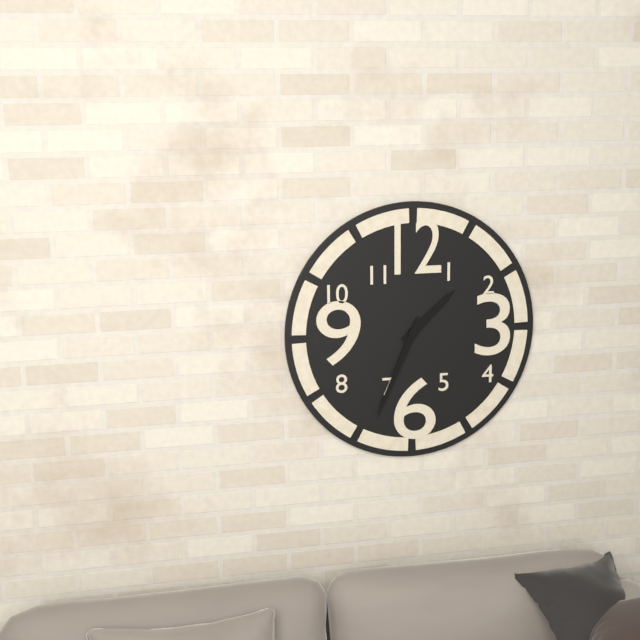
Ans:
**1:34**
